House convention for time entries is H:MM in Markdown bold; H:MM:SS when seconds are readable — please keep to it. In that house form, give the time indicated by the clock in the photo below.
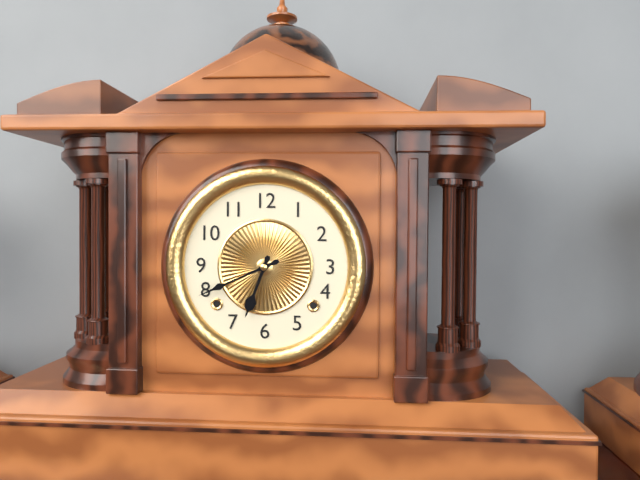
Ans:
**6:41**
